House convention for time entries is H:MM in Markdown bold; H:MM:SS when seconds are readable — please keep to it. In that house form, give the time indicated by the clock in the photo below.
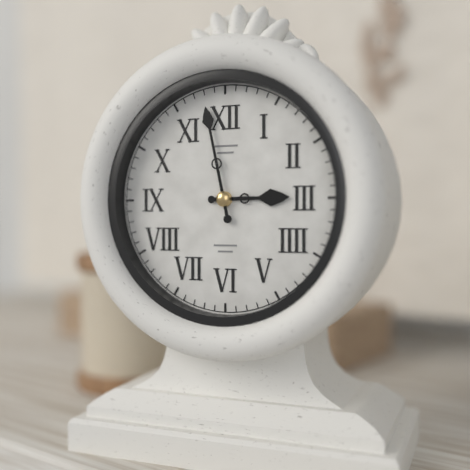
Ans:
**2:58**
